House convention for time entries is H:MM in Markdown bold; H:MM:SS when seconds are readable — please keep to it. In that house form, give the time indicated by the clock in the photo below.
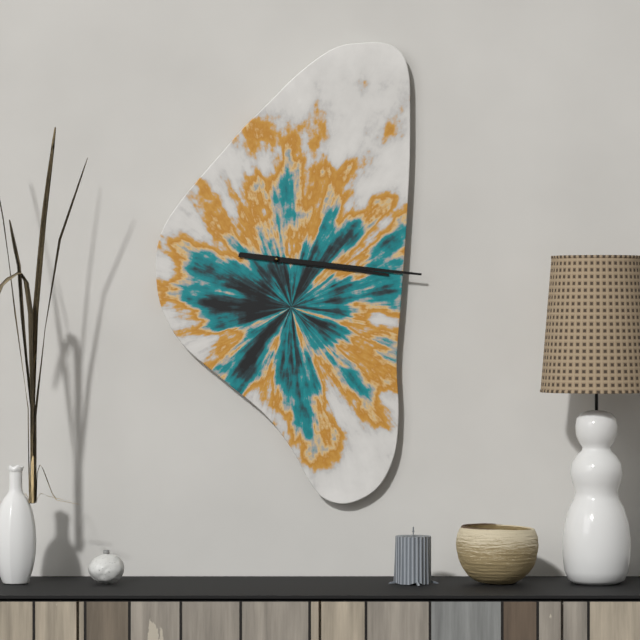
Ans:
**3:16**
